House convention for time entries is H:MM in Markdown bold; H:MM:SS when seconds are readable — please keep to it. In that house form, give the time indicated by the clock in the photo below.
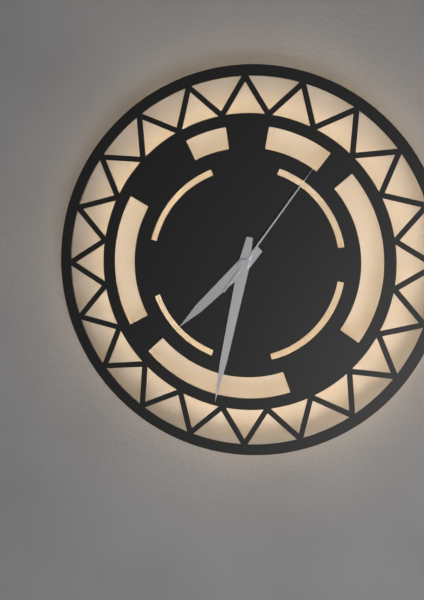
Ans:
**7:32:06**
